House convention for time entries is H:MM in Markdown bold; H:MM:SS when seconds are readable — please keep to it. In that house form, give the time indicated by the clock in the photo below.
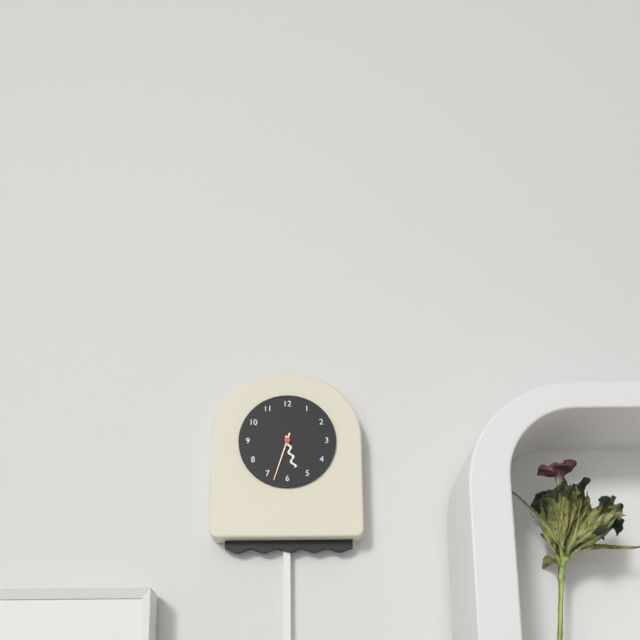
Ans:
**5:33**
